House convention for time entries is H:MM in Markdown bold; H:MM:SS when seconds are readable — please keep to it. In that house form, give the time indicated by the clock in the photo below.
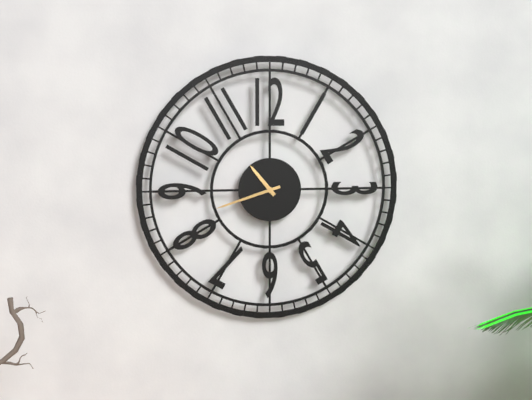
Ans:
**10:42**
